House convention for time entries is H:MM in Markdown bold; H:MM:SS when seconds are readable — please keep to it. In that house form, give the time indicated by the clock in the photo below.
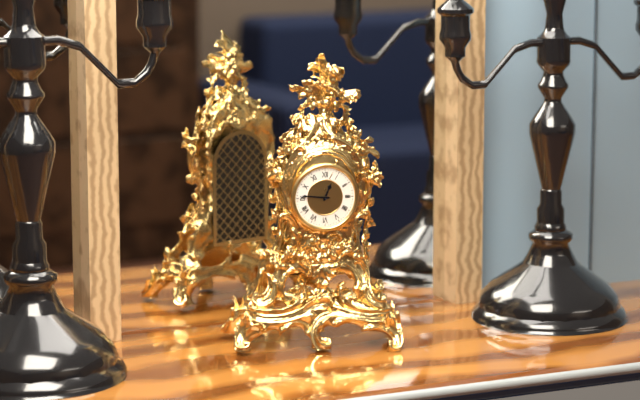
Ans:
**12:46**
